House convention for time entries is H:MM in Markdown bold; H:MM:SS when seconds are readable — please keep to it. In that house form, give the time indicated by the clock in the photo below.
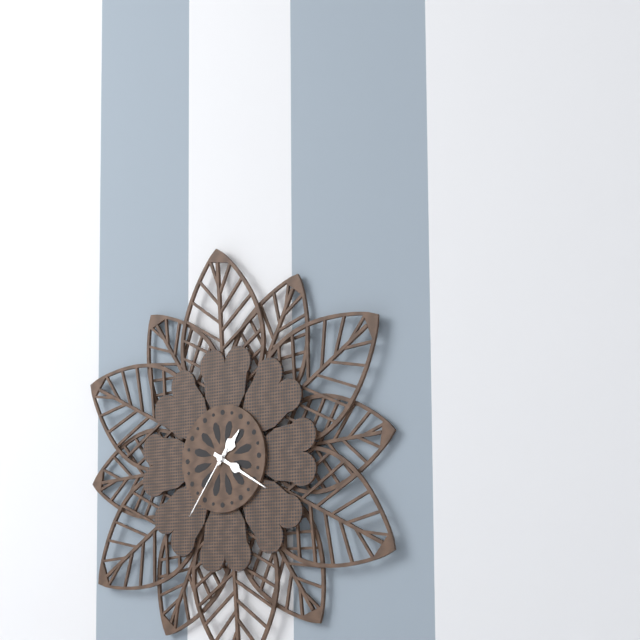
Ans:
**1:20:36**
